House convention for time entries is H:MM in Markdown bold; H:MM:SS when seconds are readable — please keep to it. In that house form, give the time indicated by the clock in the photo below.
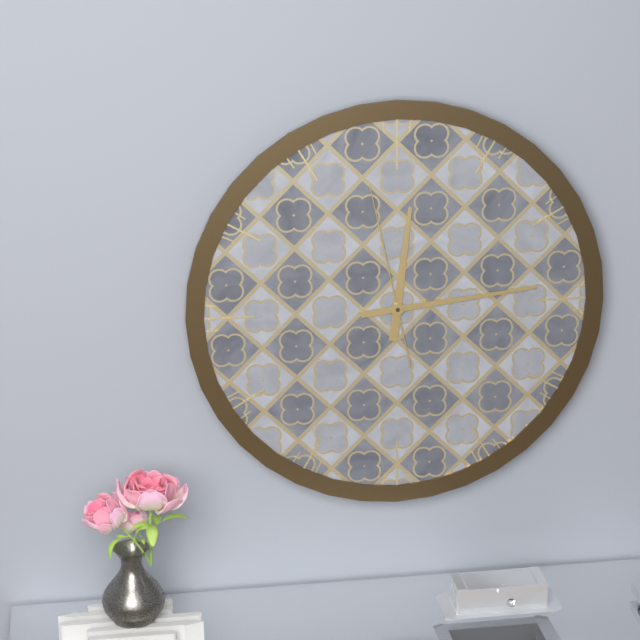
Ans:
**12:14:58**
